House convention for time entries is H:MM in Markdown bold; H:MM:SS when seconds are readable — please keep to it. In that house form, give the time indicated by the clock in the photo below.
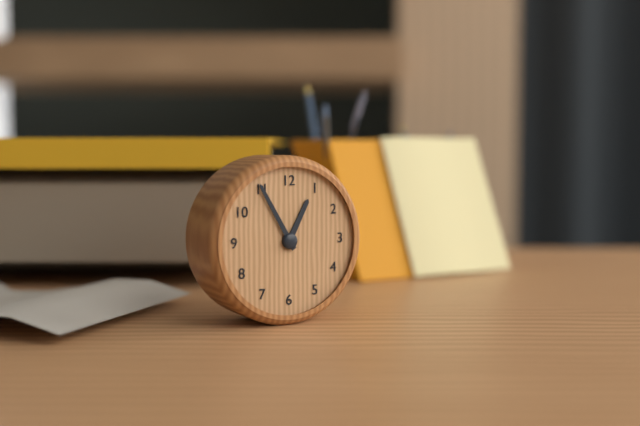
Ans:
**12:55**
